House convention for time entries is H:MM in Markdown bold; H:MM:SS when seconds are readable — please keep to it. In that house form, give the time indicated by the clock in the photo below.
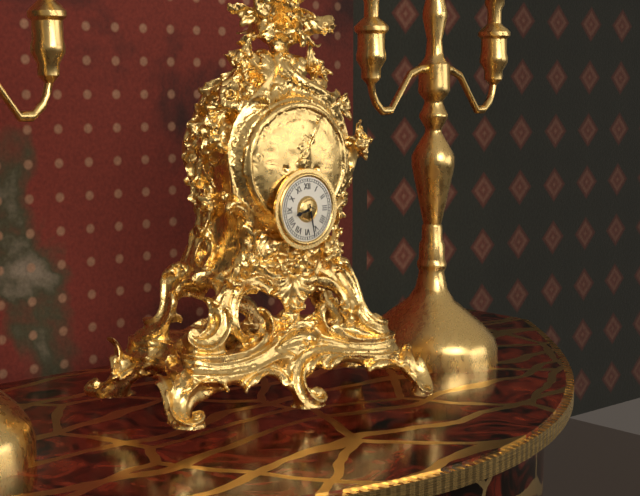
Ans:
**8:28**
